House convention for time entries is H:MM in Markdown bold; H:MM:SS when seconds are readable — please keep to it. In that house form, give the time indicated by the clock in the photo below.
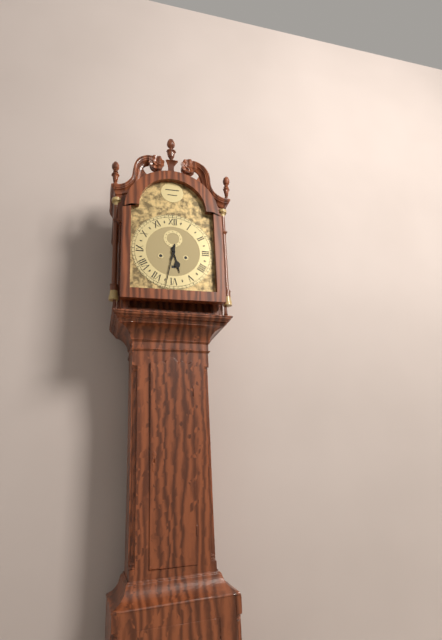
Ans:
**5:32**
